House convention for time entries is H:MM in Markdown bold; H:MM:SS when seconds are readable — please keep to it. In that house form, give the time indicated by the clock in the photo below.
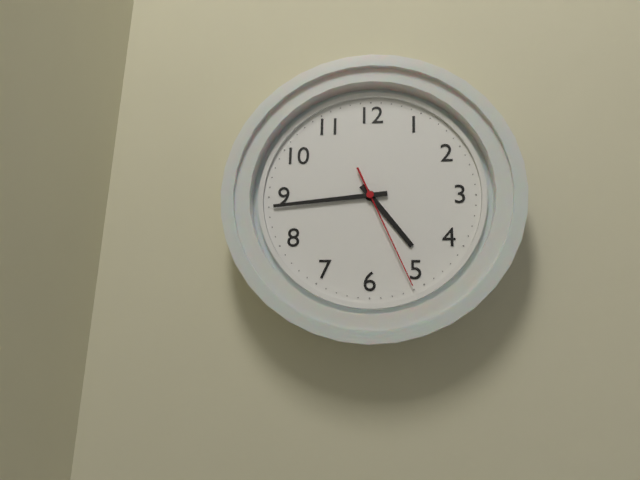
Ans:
**4:44:26**
